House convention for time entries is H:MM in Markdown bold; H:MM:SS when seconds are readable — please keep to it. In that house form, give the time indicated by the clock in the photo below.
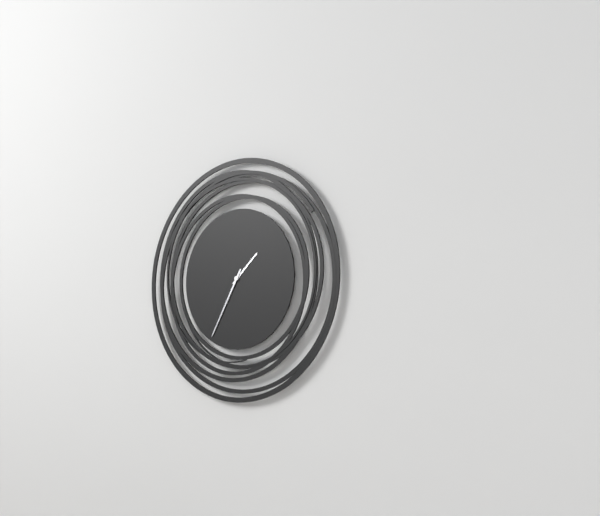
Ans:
**1:35**
